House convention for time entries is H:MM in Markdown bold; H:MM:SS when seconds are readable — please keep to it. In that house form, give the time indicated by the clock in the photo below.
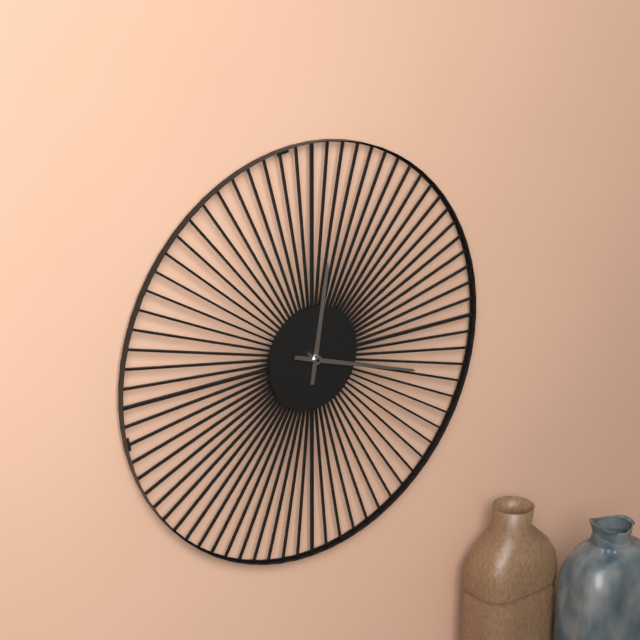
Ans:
**12:18**
